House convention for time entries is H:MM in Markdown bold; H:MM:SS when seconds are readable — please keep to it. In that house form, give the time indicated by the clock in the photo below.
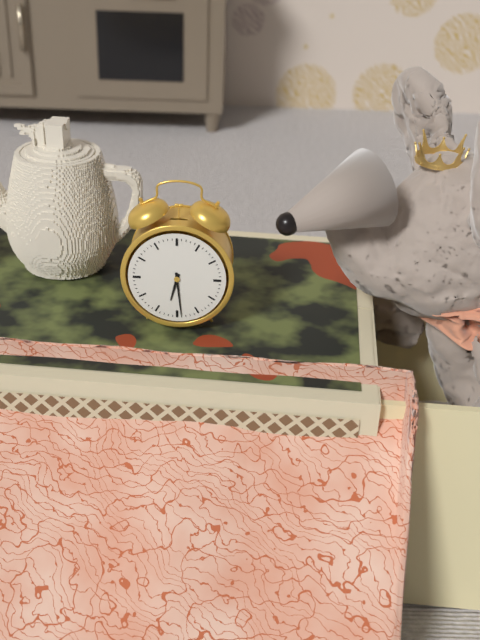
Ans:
**6:29**
